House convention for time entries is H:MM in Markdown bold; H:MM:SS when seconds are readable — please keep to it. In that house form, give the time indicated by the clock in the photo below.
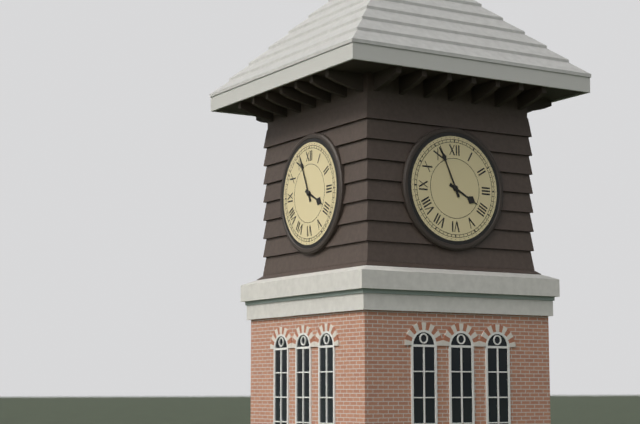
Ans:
**3:56**
